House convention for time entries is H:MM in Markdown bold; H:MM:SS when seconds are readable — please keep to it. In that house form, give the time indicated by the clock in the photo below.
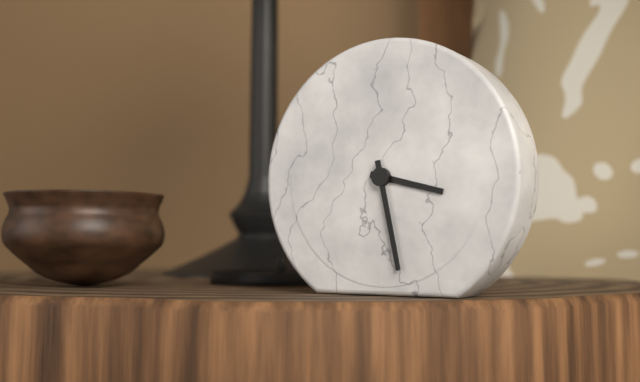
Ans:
**3:28**
